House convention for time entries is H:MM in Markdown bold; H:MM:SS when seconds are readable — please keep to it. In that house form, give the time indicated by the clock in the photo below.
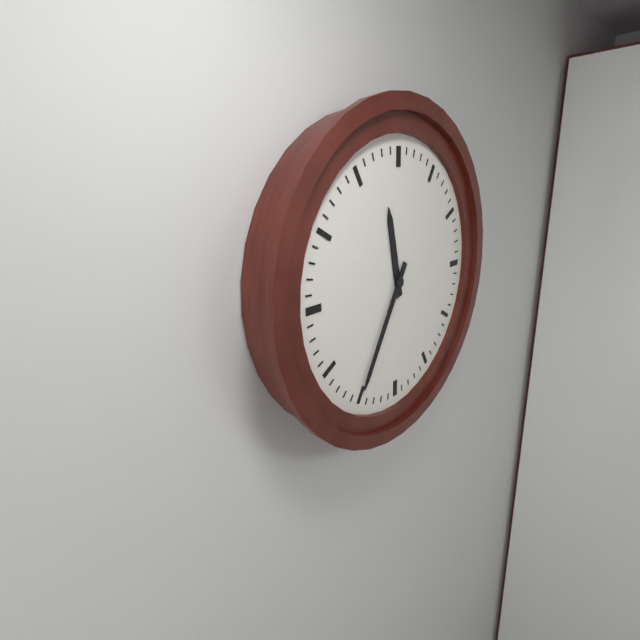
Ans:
**11:35**
